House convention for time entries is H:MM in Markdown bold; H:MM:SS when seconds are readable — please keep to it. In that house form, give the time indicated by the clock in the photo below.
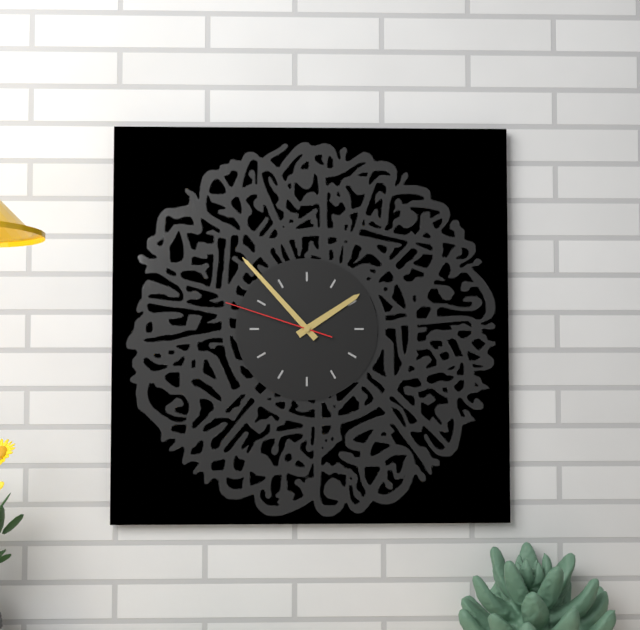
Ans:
**1:53:48**
